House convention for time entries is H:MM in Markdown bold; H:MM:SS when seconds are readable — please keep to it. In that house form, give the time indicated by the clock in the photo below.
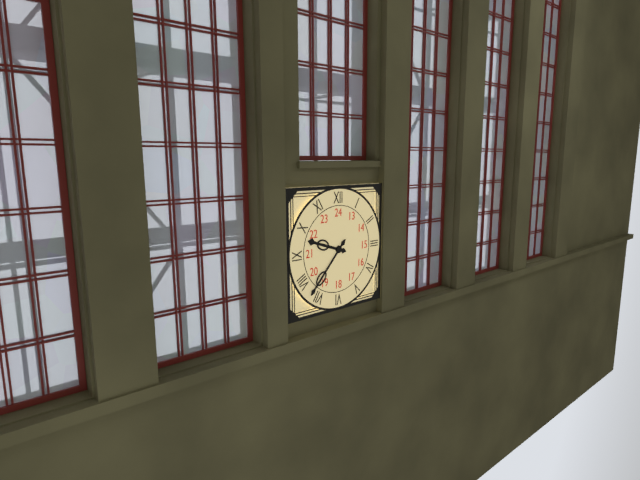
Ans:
**9:37**
